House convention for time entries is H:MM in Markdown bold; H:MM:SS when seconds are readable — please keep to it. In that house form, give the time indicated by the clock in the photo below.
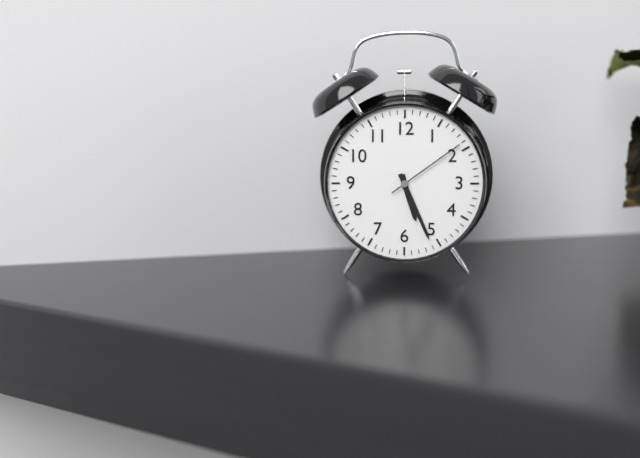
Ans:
**5:26:09**
